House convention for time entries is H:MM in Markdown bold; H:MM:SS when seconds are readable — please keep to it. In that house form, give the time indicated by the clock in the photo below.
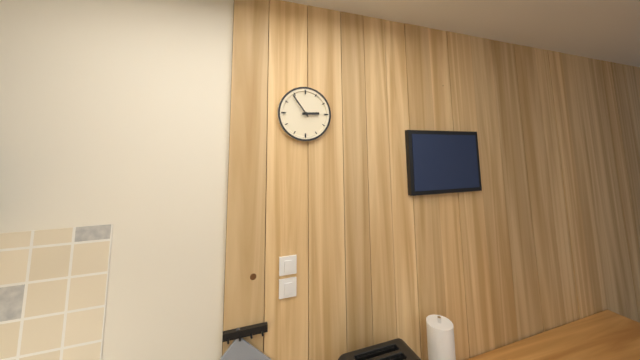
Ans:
**2:54**
